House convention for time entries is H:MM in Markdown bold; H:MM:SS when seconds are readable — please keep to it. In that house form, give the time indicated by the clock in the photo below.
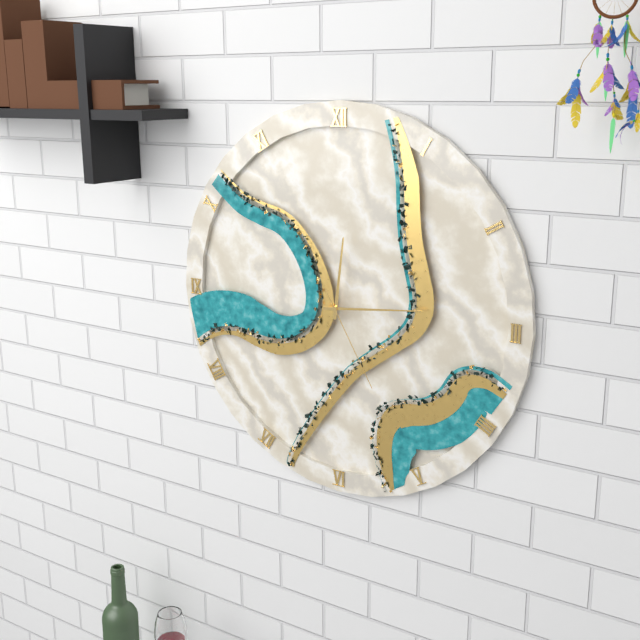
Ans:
**12:14:25**
